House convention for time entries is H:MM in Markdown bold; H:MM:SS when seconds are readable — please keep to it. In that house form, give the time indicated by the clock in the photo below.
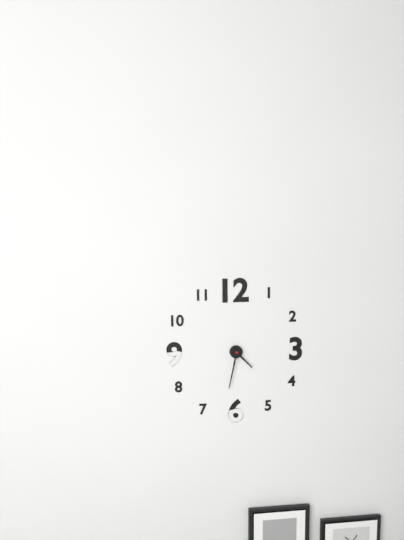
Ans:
**4:32**
